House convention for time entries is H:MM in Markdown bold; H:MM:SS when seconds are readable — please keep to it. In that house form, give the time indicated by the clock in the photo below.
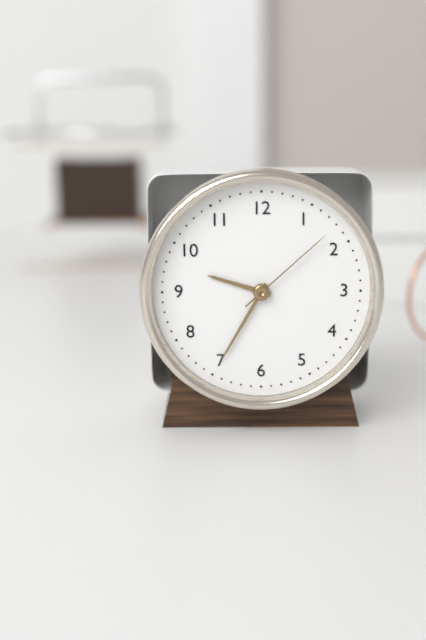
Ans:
**9:35:08**
